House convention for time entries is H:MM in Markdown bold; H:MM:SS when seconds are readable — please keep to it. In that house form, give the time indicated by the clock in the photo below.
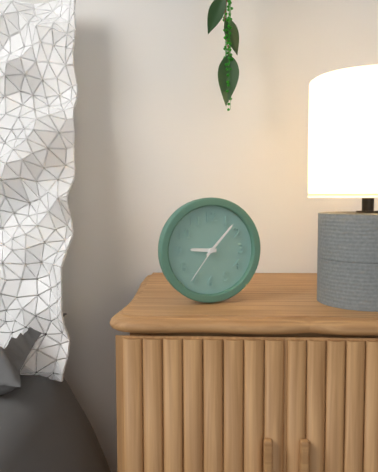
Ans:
**9:07**
